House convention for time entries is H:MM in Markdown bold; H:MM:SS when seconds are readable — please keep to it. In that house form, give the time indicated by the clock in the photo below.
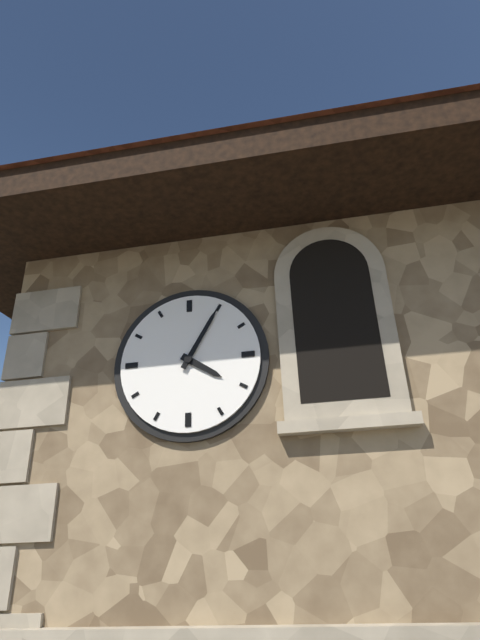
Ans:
**4:05**
